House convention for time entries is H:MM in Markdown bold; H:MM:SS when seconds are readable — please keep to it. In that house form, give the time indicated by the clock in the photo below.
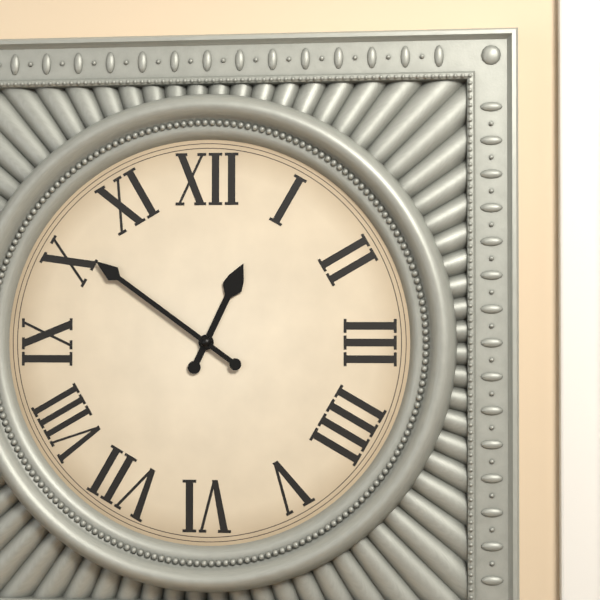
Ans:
**12:51**
